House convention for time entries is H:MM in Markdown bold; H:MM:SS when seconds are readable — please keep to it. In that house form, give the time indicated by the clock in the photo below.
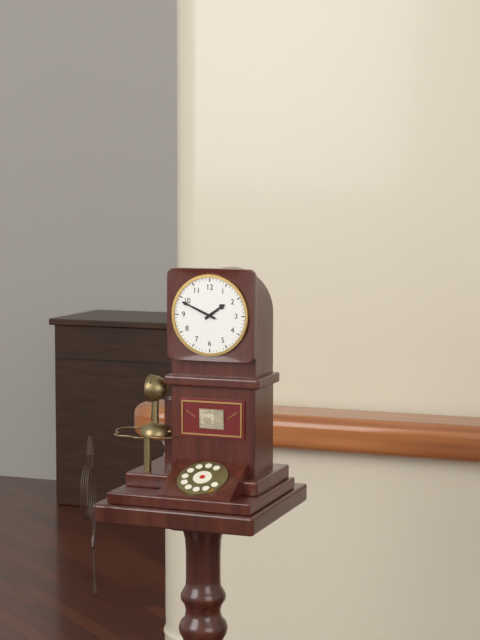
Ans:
**1:49**
